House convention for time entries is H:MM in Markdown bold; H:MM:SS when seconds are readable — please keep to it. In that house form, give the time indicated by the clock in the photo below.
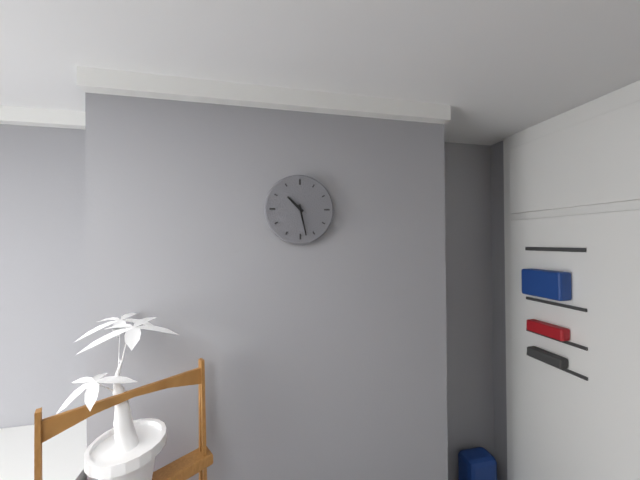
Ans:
**10:28**
